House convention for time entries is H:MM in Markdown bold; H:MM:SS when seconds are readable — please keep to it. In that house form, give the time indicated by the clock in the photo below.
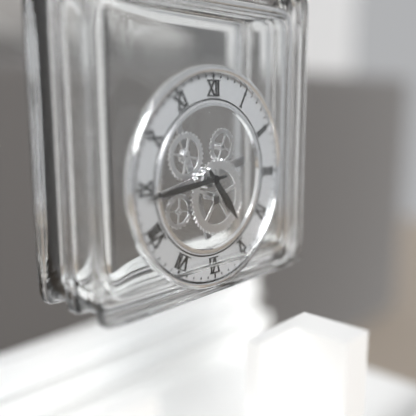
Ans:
**4:44**
